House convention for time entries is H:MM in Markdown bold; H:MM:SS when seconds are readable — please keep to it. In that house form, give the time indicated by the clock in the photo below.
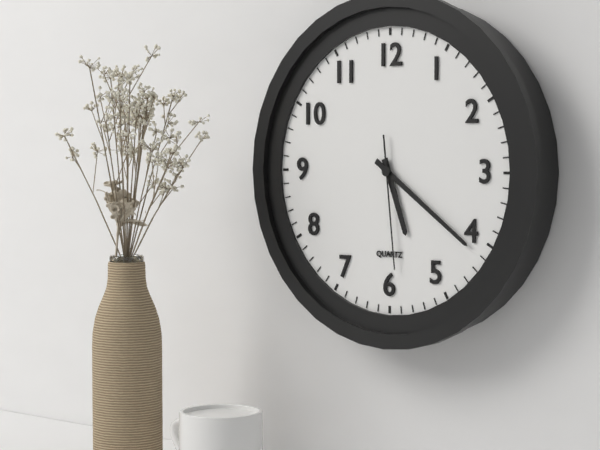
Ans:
**5:21:29**
